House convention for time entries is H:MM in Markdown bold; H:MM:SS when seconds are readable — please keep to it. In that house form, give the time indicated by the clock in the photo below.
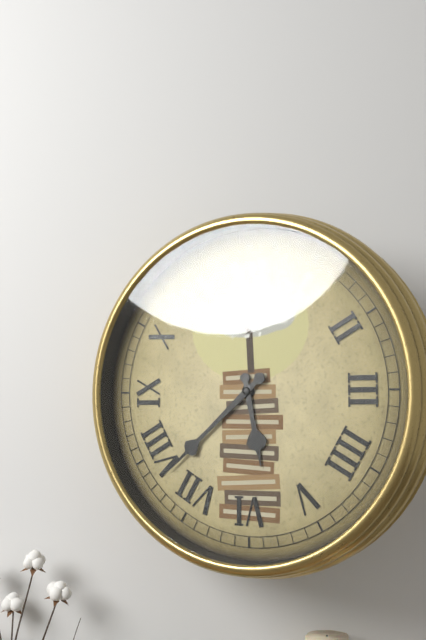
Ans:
**5:38**
